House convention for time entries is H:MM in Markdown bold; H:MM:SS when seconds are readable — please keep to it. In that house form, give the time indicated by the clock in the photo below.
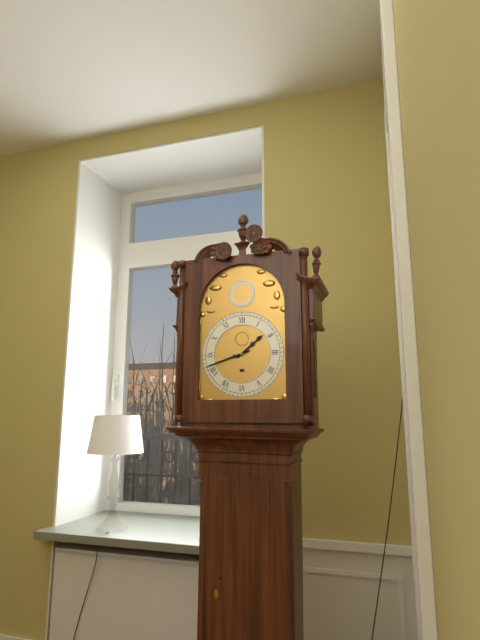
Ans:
**1:42**
